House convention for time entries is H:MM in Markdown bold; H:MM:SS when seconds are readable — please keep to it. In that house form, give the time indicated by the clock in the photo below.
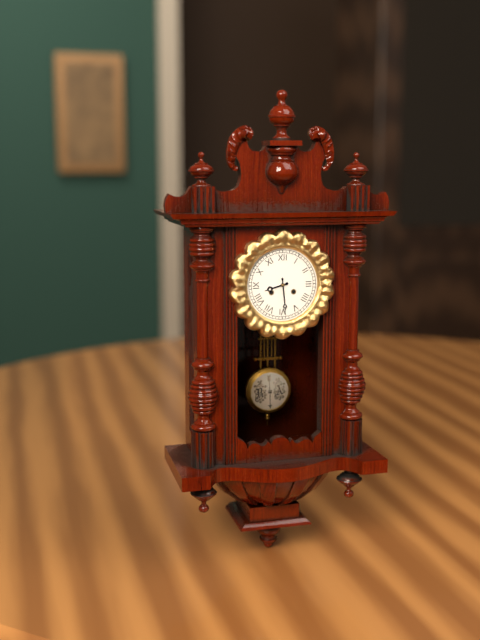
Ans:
**8:29**
